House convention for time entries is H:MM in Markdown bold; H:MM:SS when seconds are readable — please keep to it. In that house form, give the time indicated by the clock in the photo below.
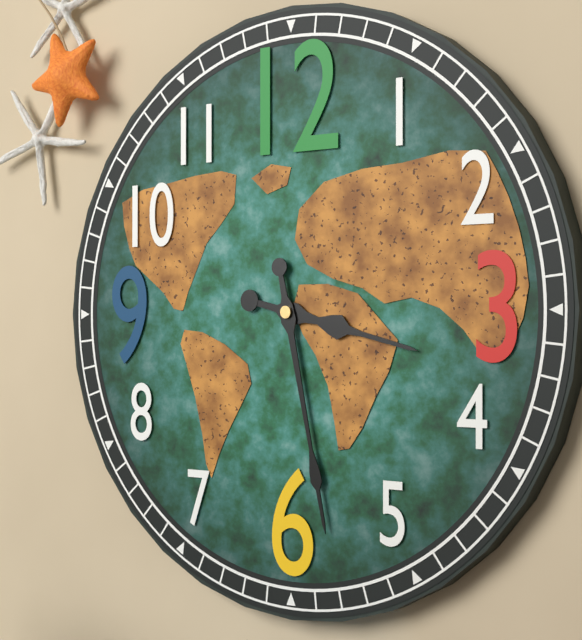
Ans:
**3:28**
